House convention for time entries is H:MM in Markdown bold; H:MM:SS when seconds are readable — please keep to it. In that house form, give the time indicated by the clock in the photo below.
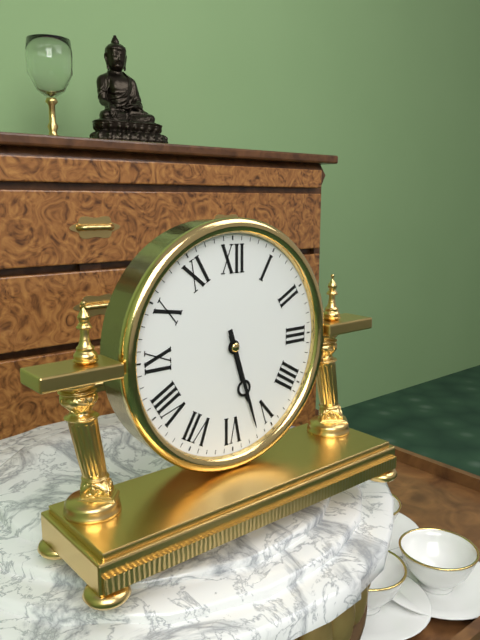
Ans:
**5:27**
